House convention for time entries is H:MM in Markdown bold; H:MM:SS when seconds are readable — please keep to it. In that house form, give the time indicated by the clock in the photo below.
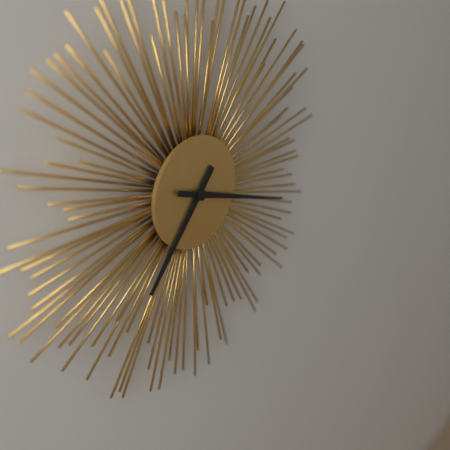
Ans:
**7:18**
